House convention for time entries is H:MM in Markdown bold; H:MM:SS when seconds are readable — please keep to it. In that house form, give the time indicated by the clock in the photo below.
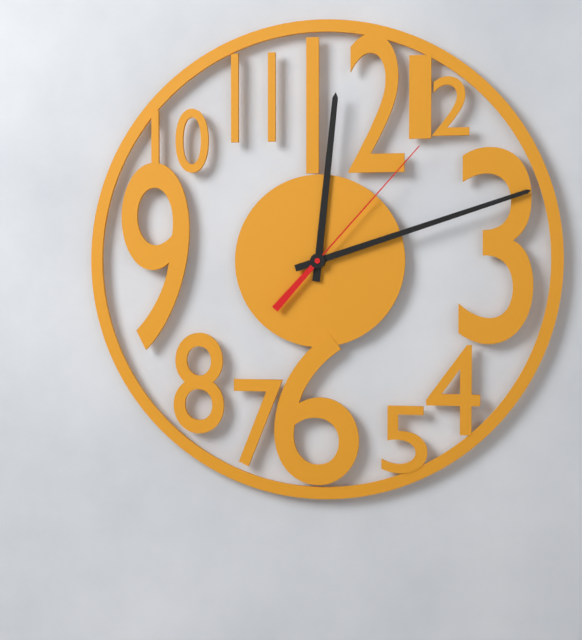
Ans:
**12:12:07**
